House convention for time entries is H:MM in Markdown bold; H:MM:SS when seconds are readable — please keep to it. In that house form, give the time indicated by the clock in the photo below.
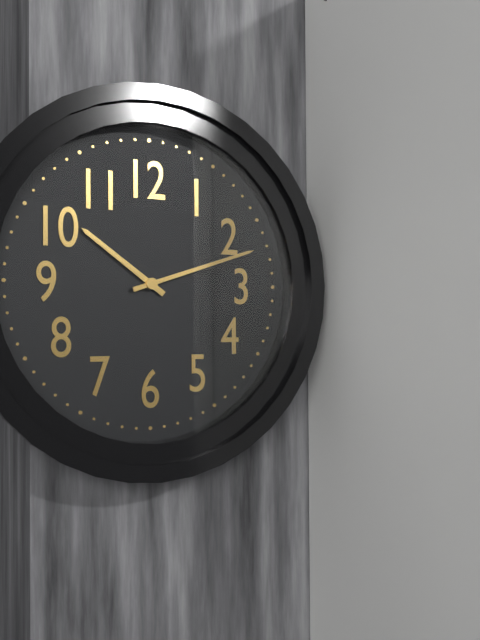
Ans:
**10:12**
